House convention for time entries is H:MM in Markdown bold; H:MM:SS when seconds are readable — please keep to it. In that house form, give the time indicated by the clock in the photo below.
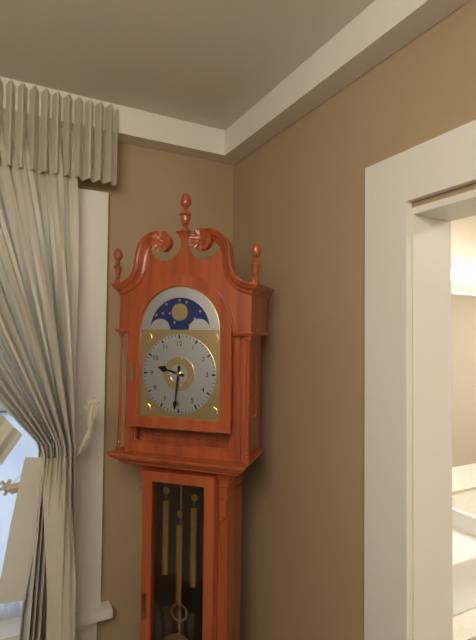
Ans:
**9:31**
